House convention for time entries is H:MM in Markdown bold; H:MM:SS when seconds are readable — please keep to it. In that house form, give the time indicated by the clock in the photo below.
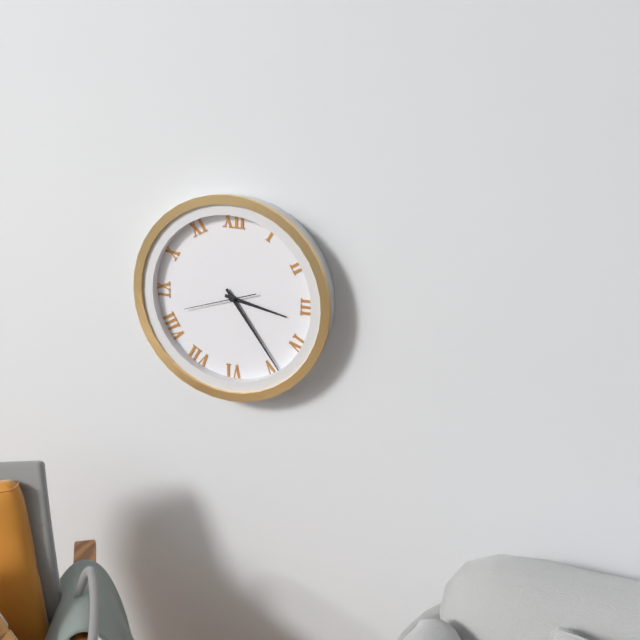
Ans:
**3:24:42**
